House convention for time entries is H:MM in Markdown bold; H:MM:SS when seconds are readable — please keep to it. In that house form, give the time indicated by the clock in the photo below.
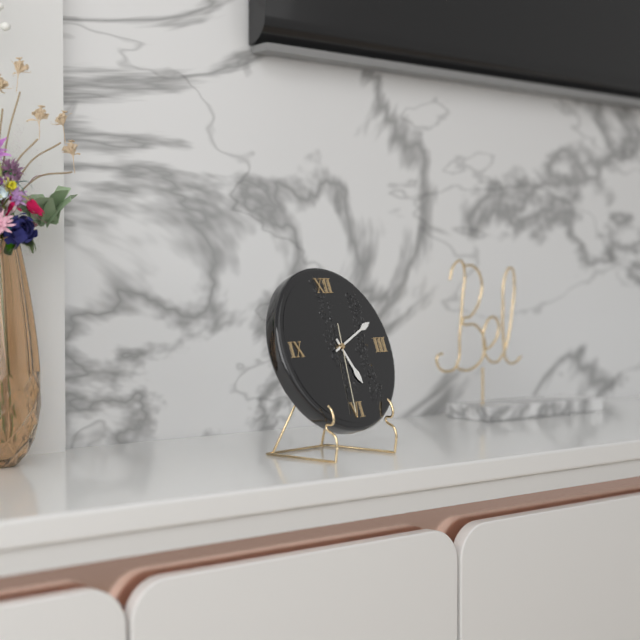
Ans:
**5:11:31**
